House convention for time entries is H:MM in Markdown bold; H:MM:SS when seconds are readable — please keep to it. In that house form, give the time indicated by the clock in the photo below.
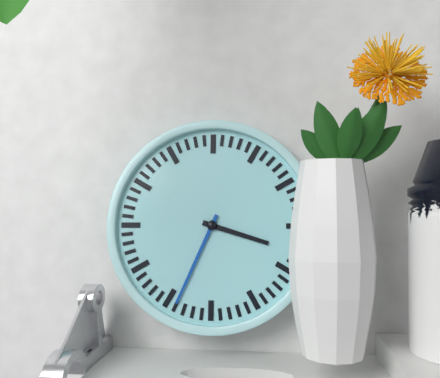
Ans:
**3:34**
